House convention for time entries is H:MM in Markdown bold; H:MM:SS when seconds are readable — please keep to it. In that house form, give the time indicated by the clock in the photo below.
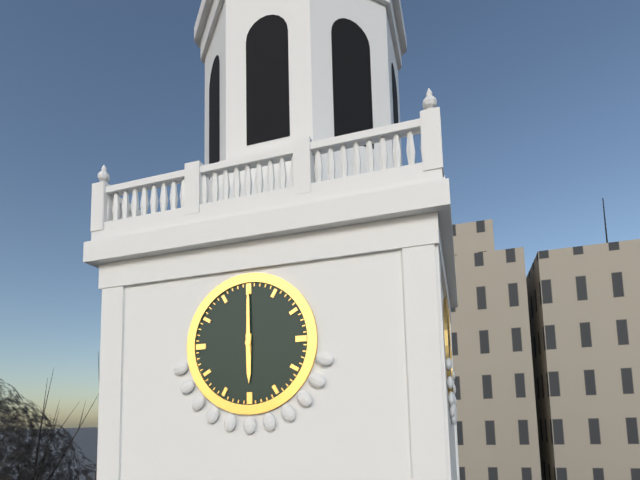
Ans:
**6:00**
